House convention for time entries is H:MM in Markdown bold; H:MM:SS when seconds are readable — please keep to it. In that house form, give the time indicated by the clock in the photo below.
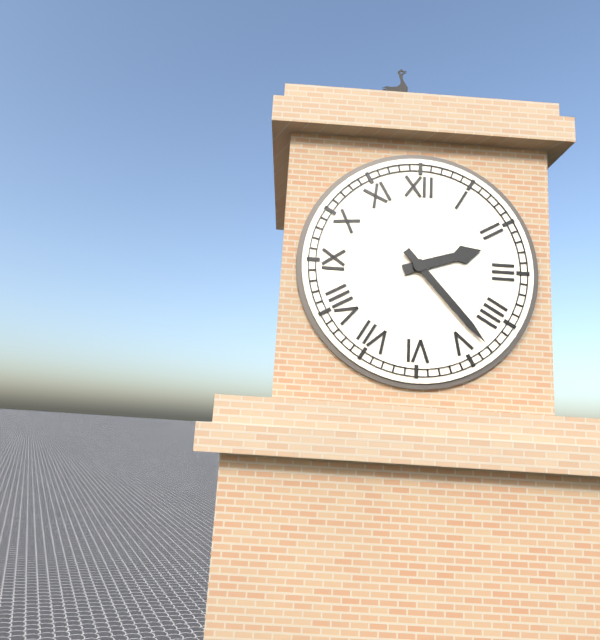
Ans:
**2:23**
